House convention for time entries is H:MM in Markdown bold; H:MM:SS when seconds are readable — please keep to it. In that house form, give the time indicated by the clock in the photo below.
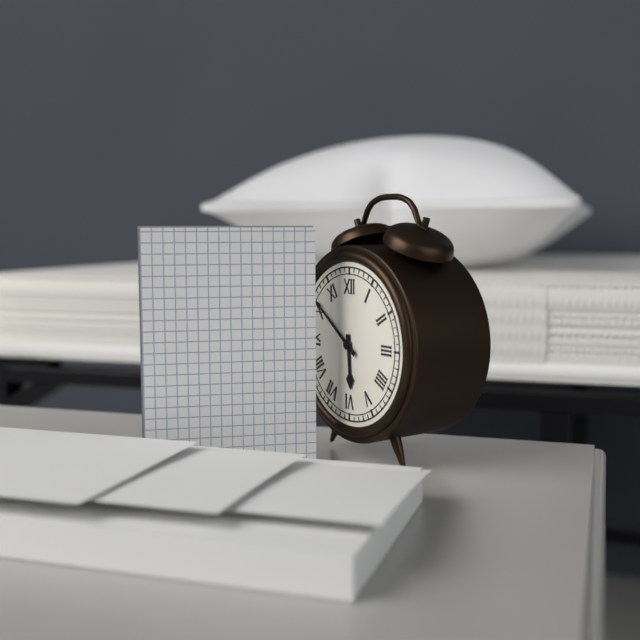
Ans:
**5:51**
